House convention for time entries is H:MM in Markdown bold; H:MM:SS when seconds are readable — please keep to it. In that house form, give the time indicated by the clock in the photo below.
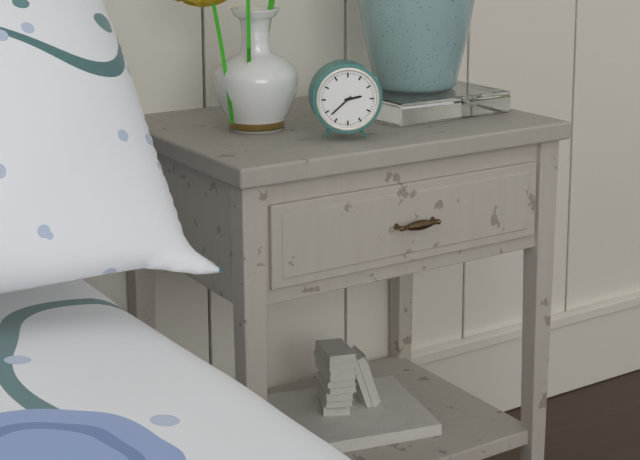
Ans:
**2:38**
